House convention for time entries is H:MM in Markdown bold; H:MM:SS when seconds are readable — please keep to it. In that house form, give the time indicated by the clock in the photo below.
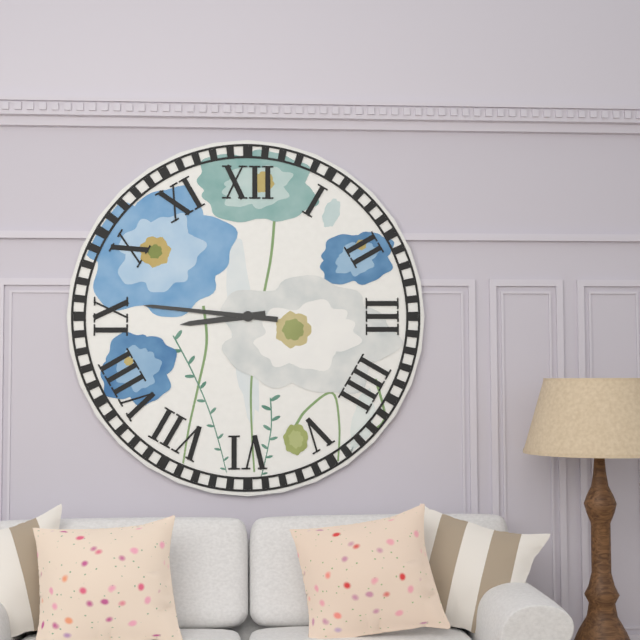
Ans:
**8:46**
